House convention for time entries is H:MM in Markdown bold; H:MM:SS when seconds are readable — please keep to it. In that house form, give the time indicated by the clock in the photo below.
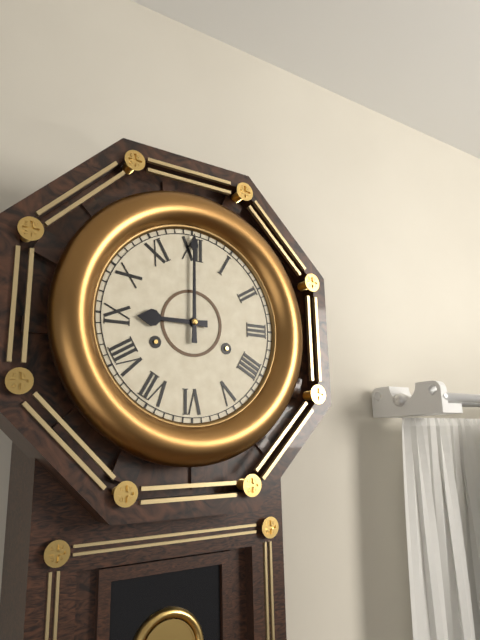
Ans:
**9:00**
